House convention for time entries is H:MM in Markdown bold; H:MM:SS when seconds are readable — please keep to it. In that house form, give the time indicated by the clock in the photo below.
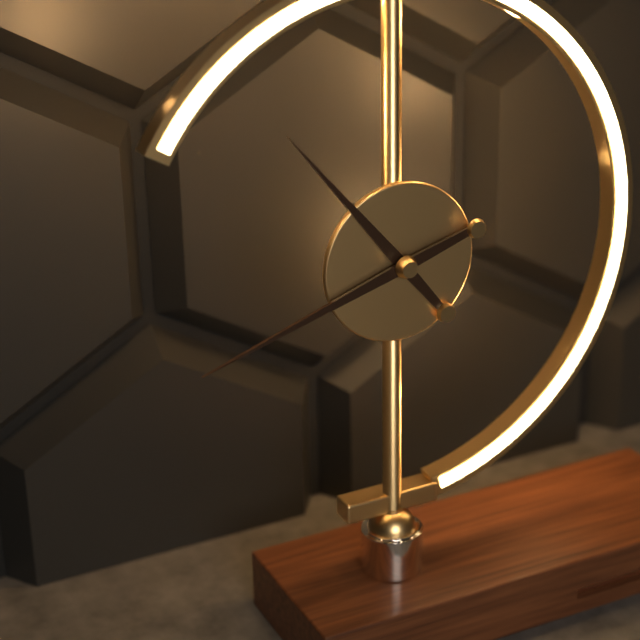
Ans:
**10:42**
